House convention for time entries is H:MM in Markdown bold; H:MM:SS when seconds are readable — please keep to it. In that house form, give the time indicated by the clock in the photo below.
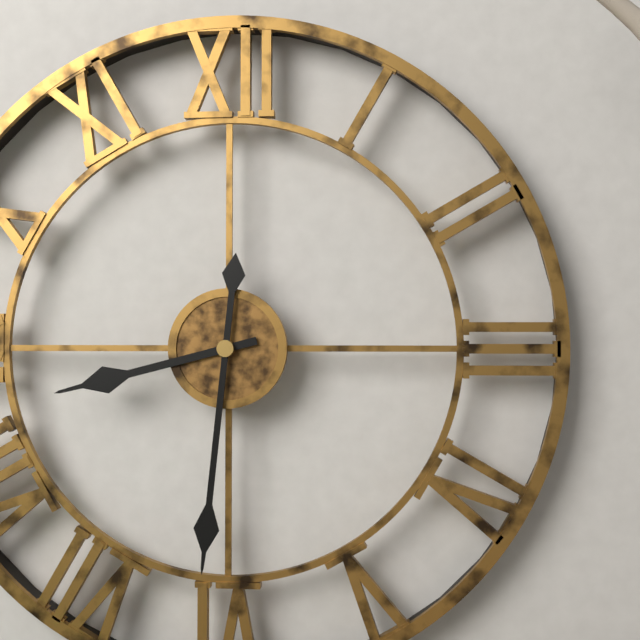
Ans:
**8:31**
